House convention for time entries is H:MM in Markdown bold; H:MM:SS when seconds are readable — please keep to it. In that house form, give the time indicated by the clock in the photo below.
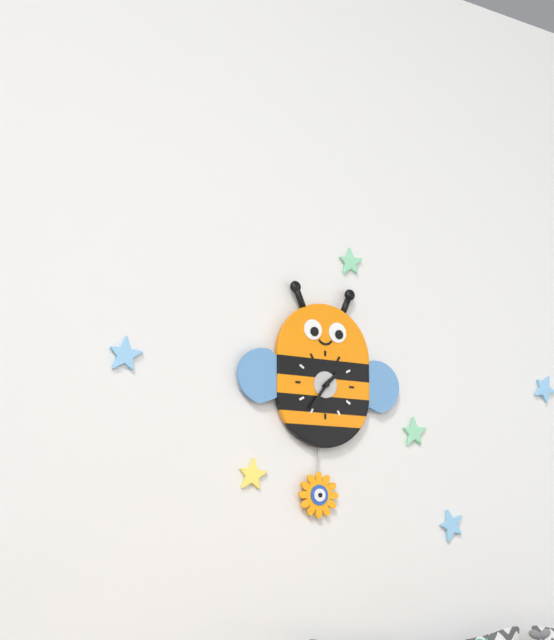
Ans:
**1:36**
